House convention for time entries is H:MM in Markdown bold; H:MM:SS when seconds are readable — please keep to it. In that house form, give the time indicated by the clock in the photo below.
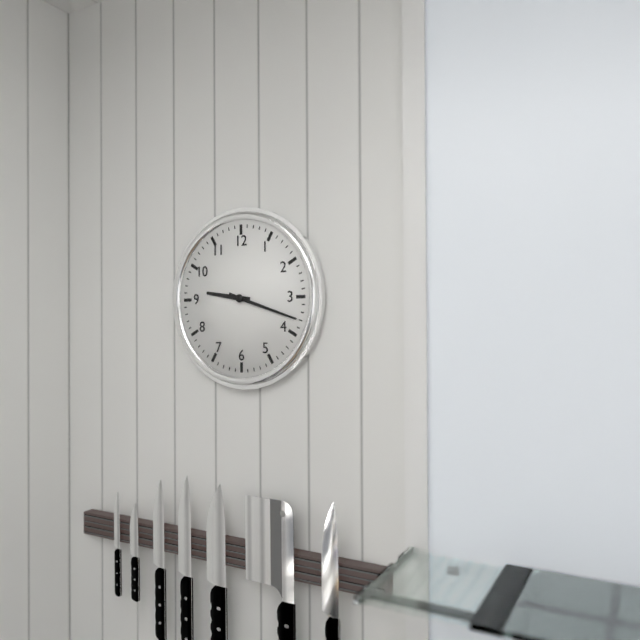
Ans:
**9:18**
